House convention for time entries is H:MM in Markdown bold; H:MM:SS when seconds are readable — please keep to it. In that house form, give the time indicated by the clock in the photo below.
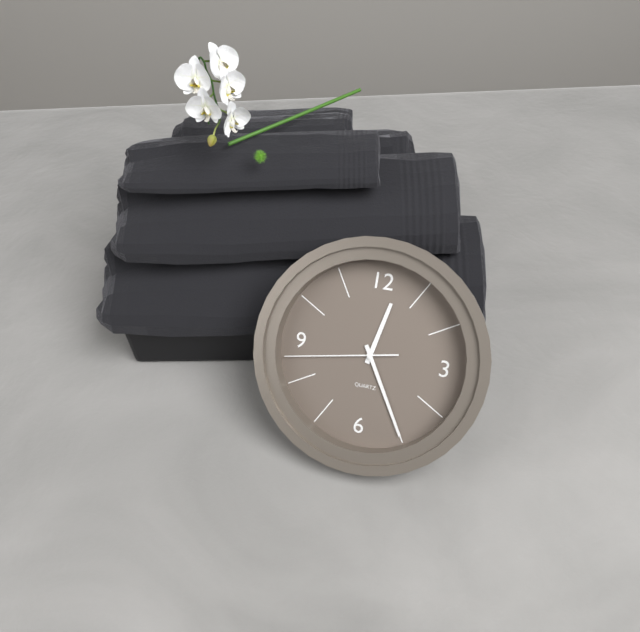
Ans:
**12:25:43**
